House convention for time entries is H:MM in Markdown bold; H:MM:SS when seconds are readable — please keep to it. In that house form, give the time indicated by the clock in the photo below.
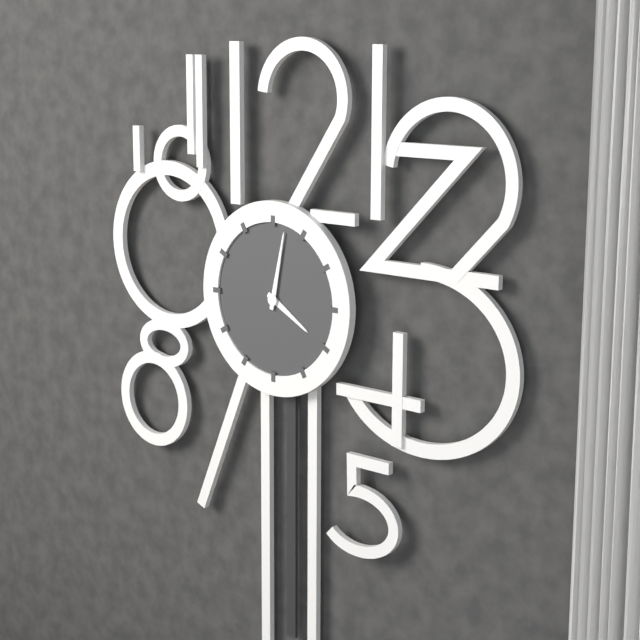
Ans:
**4:02**
